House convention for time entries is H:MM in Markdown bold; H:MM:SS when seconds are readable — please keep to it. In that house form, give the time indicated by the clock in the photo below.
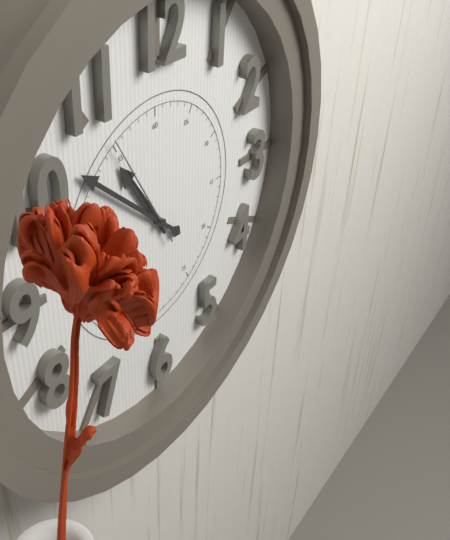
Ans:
**10:52:55**
